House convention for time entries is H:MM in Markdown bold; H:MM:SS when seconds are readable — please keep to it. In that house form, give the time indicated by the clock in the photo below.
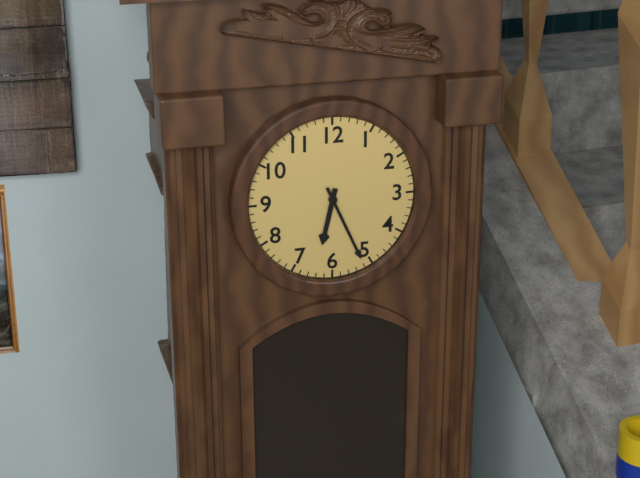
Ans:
**6:26**
